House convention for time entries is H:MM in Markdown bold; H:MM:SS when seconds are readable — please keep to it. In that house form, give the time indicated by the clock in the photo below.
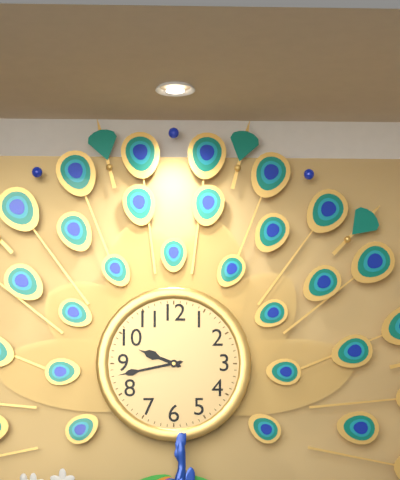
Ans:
**9:43**
